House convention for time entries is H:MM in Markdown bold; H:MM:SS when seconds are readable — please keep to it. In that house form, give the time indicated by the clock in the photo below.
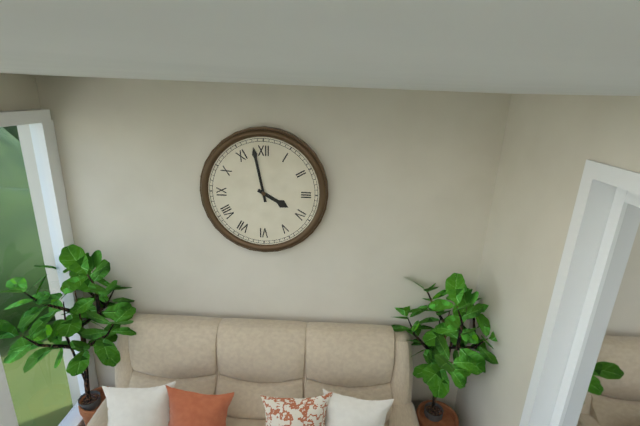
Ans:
**3:58**
